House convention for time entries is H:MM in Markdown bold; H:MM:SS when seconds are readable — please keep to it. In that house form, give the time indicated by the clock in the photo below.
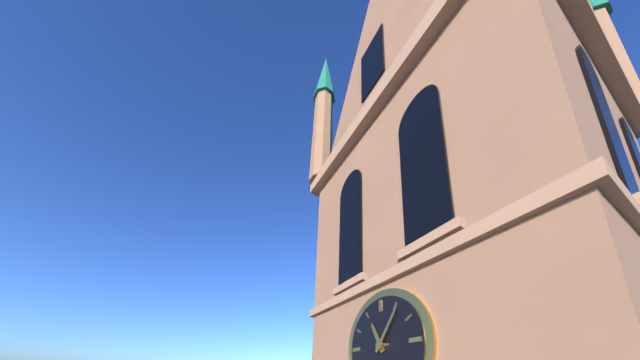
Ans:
**11:06**
